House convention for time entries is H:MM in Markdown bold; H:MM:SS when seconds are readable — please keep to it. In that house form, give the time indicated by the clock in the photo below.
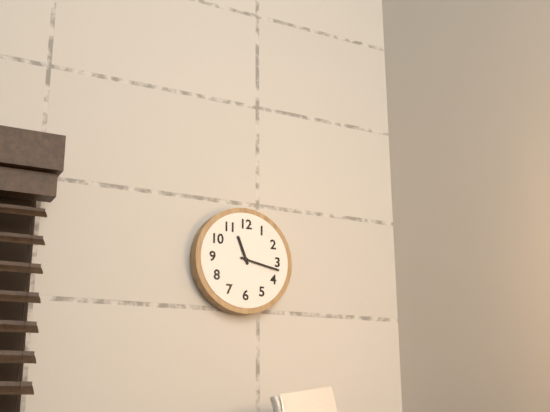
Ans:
**11:17**
